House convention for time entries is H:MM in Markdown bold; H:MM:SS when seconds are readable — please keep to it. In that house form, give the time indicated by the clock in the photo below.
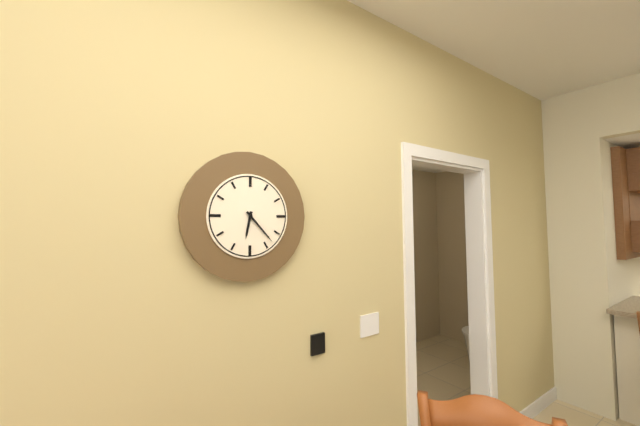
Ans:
**6:23**
